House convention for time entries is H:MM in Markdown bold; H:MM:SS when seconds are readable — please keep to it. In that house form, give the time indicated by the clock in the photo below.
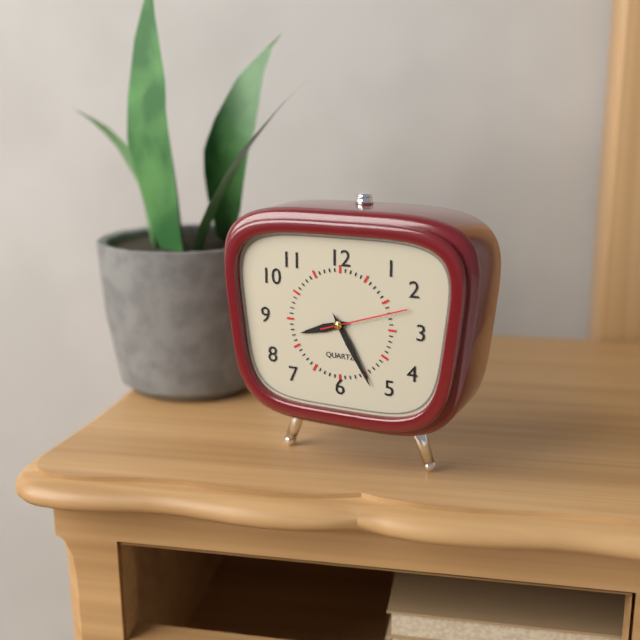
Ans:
**8:25:12**
